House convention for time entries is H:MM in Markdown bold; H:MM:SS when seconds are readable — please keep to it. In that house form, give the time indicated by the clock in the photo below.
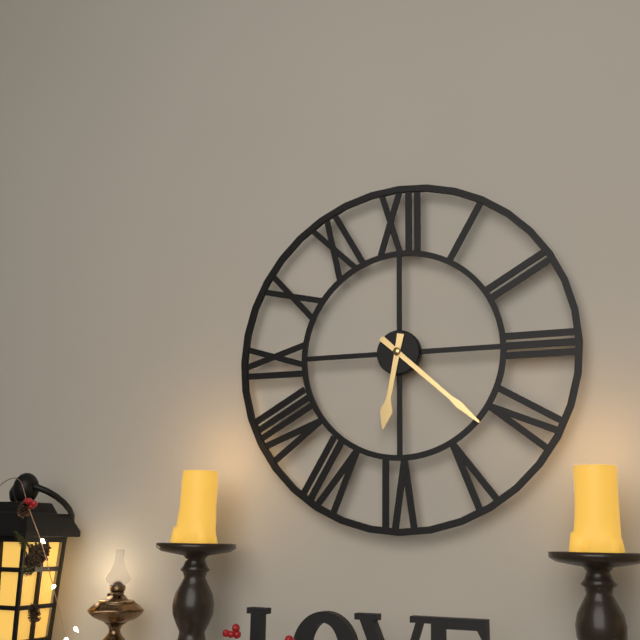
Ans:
**6:22**
